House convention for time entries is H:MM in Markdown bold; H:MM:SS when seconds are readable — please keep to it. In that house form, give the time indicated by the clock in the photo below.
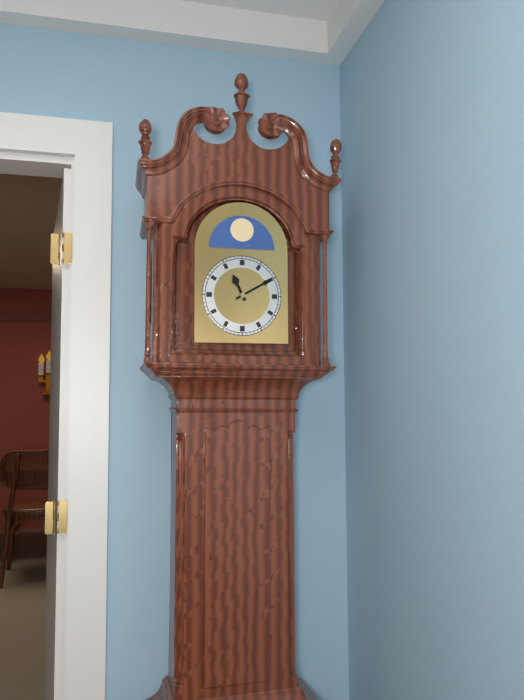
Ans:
**11:10**
